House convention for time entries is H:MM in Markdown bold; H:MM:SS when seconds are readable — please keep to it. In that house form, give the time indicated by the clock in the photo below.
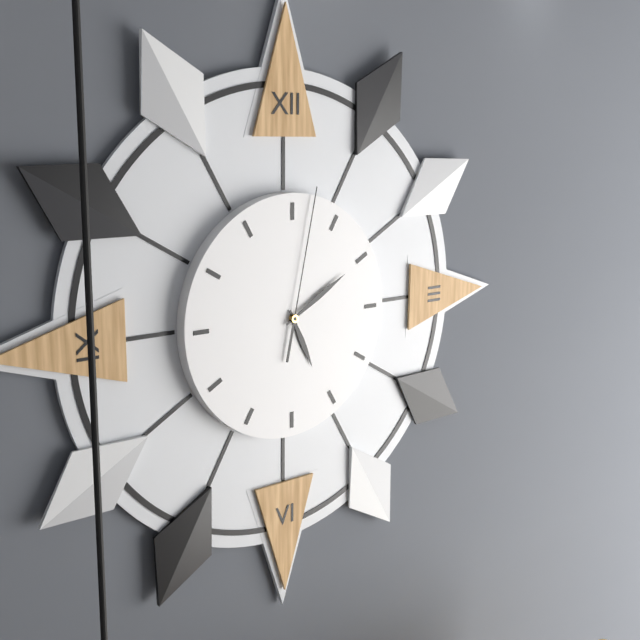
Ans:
**5:10:02**
